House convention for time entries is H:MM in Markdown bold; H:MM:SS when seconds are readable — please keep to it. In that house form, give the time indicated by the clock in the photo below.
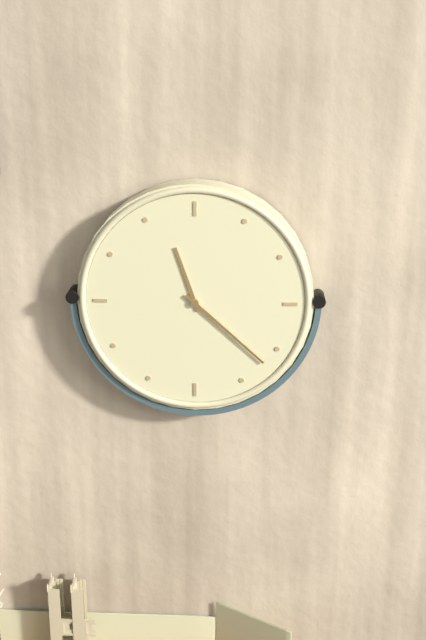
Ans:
**11:22**
